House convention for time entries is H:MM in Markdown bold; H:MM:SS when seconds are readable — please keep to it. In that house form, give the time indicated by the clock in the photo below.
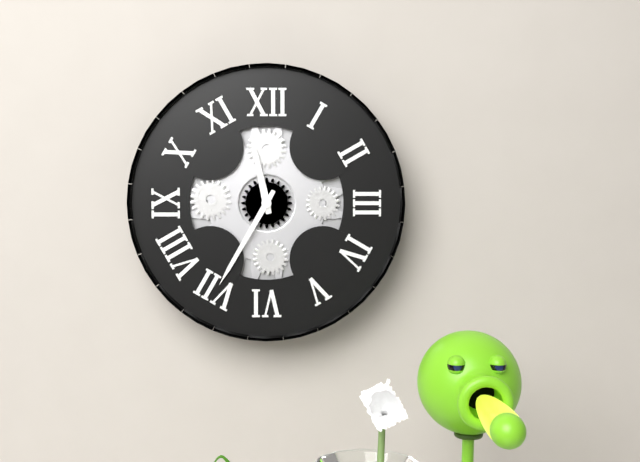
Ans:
**11:35**
